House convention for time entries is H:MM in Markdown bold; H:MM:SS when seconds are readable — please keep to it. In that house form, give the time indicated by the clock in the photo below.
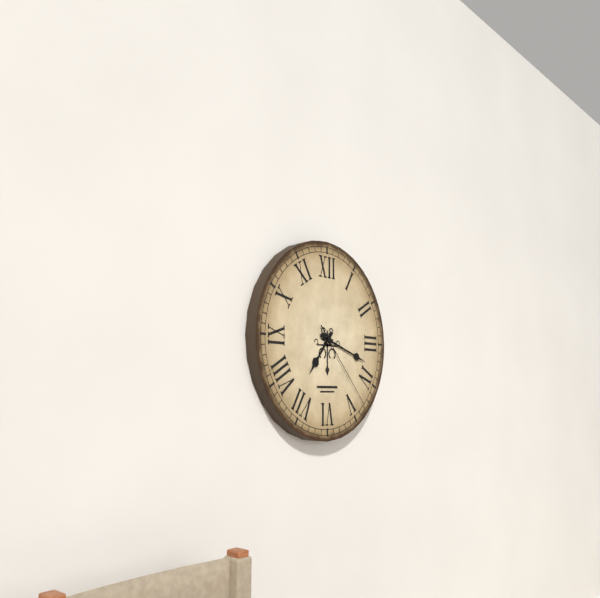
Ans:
**7:18:23**
